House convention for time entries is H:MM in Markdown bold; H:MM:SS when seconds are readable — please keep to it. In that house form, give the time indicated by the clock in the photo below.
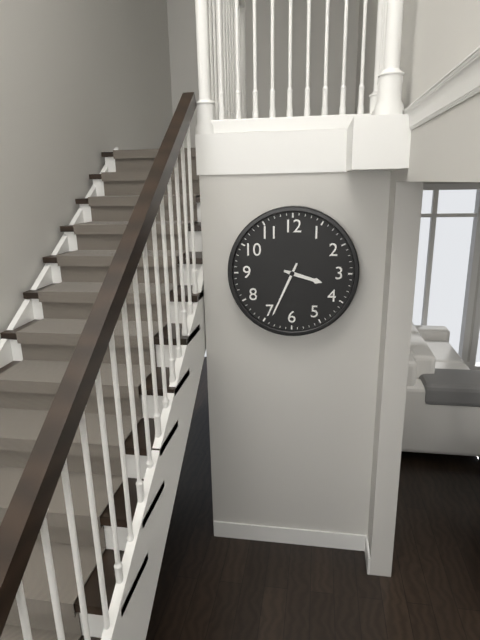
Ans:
**3:34**
